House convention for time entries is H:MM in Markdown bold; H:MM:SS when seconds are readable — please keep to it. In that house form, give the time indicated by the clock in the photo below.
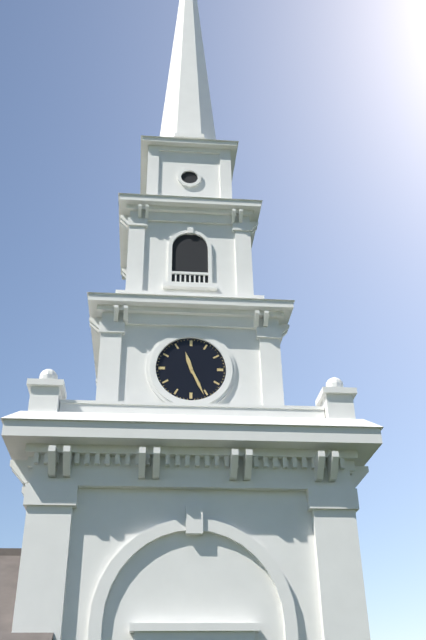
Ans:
**11:26**
